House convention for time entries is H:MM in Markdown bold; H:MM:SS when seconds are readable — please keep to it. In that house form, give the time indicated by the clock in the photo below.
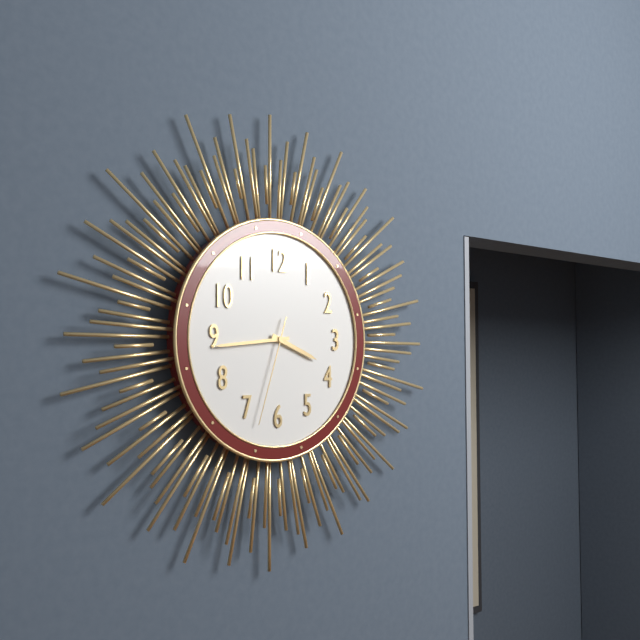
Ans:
**3:44:33**
